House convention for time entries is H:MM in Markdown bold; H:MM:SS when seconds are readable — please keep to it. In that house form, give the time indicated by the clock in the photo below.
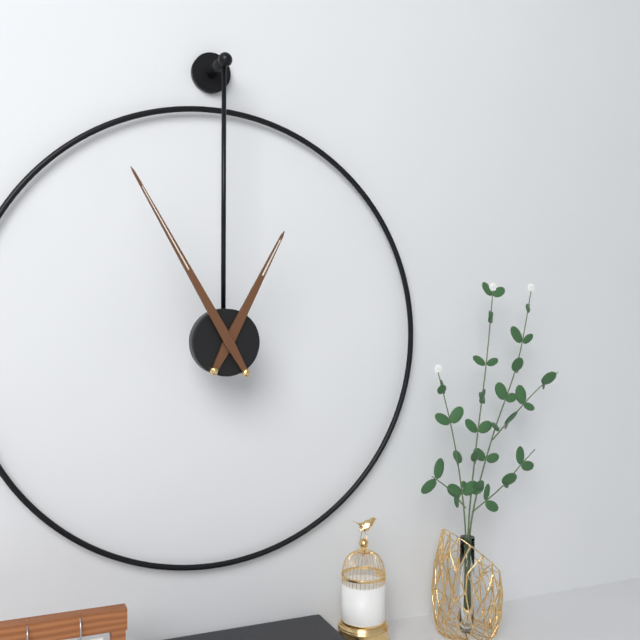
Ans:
**12:55**
